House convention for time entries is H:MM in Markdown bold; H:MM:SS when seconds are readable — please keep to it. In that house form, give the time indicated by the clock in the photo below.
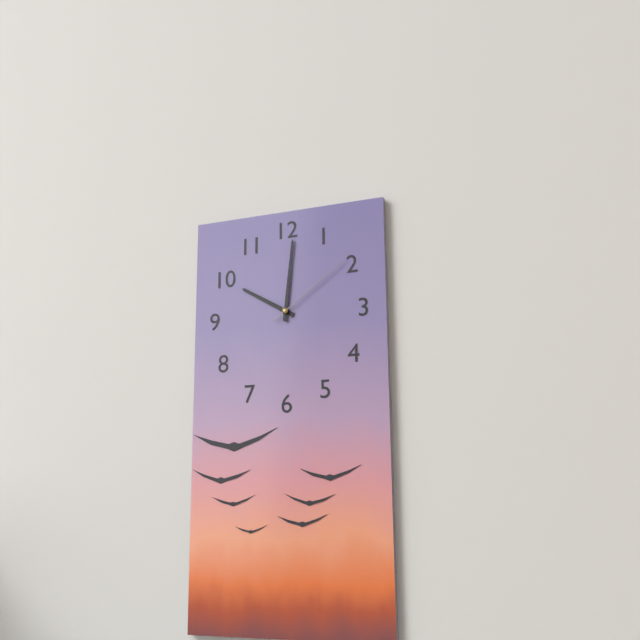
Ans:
**10:01:09**
